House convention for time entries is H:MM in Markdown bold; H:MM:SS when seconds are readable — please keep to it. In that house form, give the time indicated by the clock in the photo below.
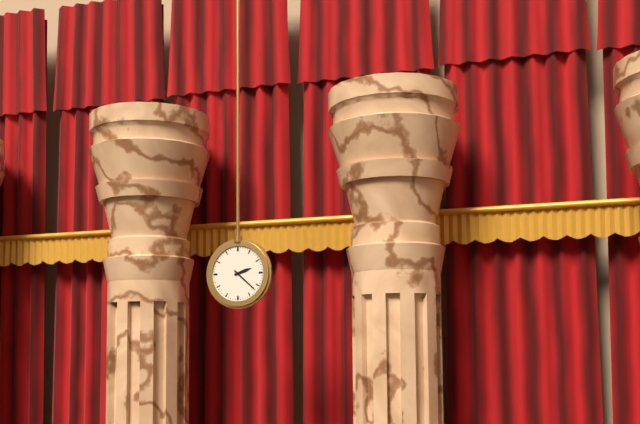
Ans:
**2:22**
